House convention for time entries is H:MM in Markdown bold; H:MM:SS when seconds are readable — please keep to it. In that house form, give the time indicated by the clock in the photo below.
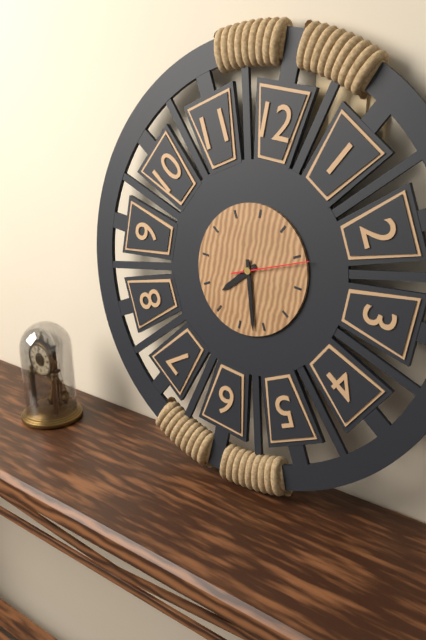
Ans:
**7:27:11**
